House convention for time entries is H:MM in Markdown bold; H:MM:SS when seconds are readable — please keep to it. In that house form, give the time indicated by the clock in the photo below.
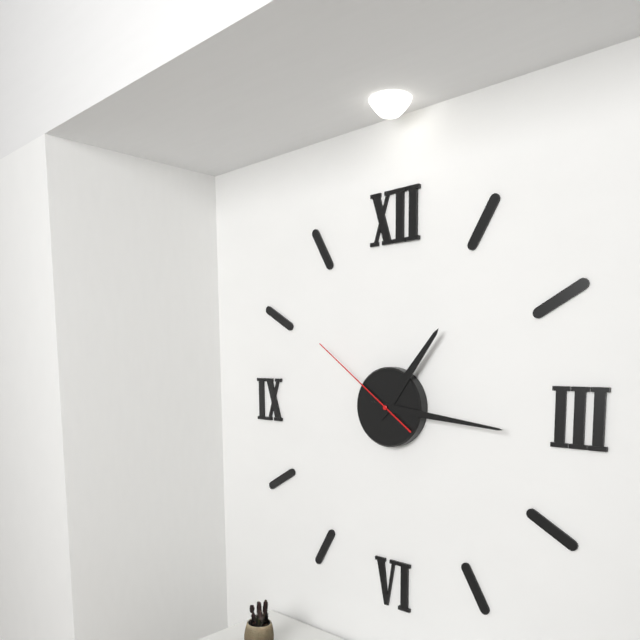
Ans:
**1:16:51**
